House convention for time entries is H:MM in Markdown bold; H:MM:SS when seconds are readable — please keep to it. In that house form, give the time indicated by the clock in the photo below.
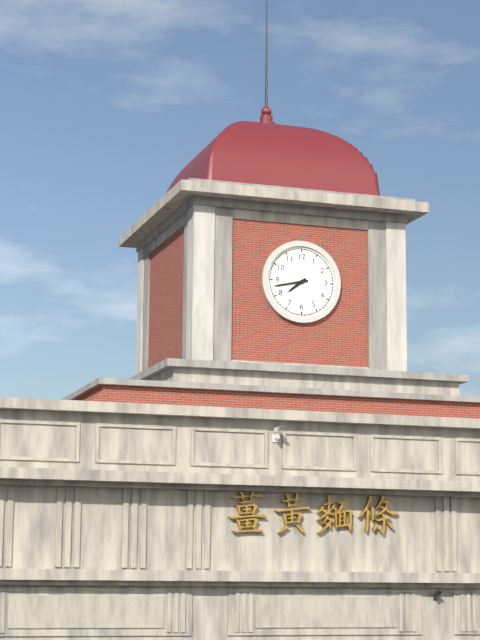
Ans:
**7:43**
